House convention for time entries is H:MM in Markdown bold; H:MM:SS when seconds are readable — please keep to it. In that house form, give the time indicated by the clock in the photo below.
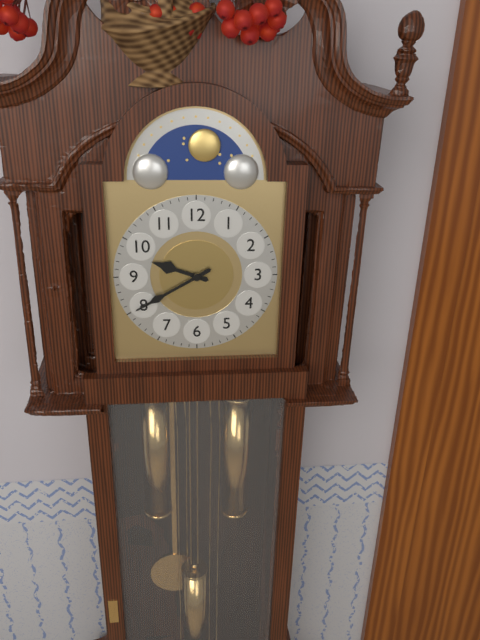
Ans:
**9:40**
